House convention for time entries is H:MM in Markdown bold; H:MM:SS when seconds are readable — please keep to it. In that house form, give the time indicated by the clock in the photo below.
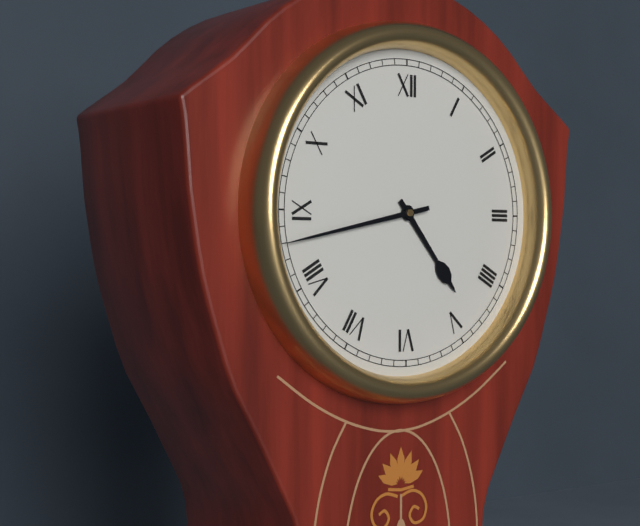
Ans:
**4:43**
